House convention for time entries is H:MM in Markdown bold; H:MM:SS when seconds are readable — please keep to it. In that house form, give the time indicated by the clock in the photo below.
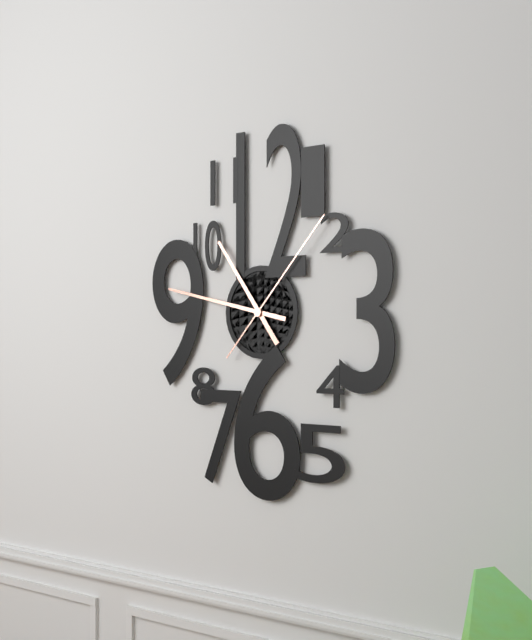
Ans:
**10:47:07**
